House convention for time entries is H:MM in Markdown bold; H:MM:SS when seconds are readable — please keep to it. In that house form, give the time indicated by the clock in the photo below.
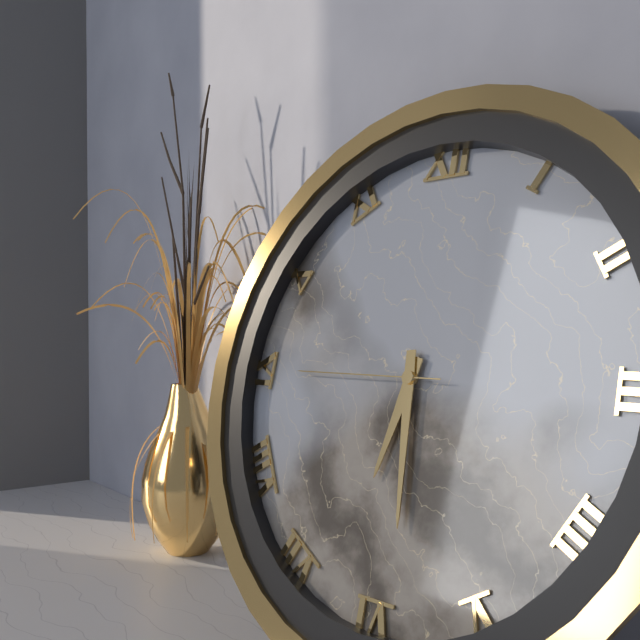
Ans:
**6:29:45**
